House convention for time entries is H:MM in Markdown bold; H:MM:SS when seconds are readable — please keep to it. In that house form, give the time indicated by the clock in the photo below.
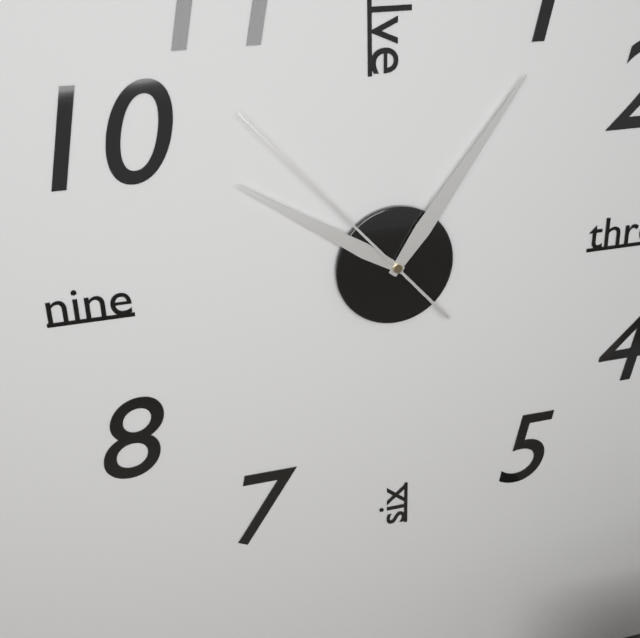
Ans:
**10:06:53**
